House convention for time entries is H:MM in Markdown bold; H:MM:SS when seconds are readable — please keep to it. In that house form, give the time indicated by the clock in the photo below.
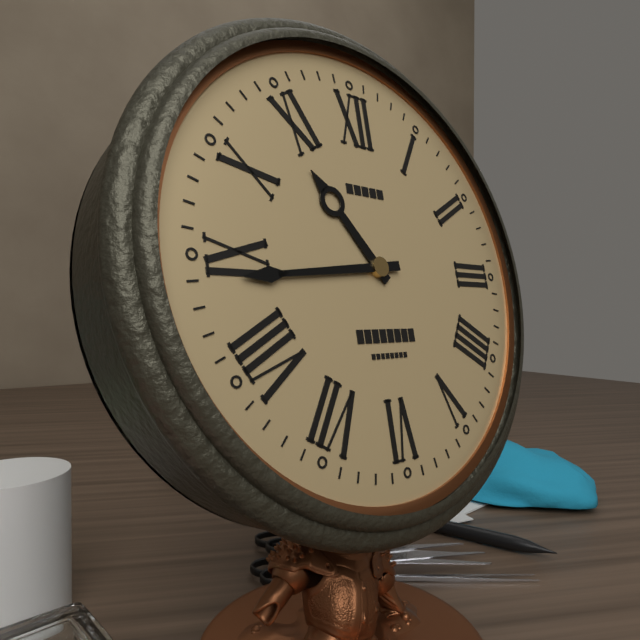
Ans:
**10:44**
